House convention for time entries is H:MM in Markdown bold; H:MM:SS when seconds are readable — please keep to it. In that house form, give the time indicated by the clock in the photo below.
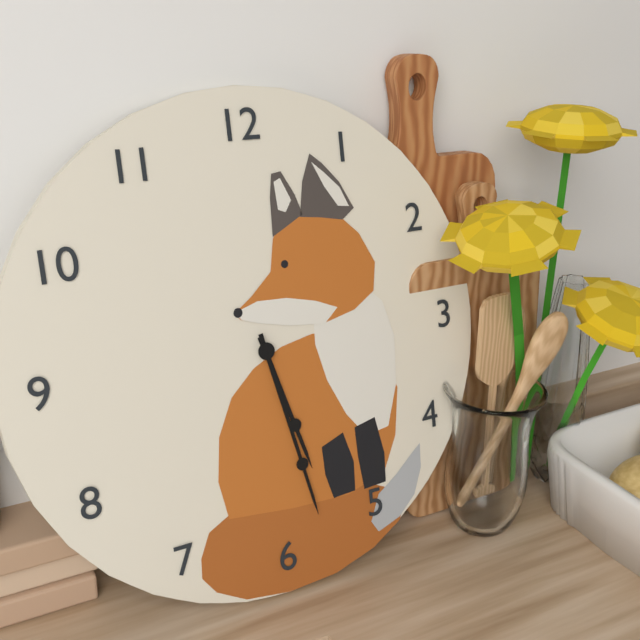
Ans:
**5:28**
